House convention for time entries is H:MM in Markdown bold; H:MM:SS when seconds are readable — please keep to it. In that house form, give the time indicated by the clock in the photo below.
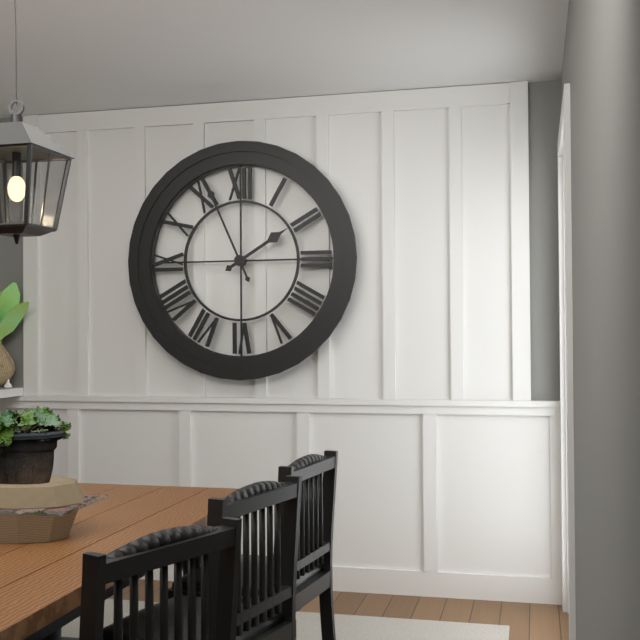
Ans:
**1:56**
